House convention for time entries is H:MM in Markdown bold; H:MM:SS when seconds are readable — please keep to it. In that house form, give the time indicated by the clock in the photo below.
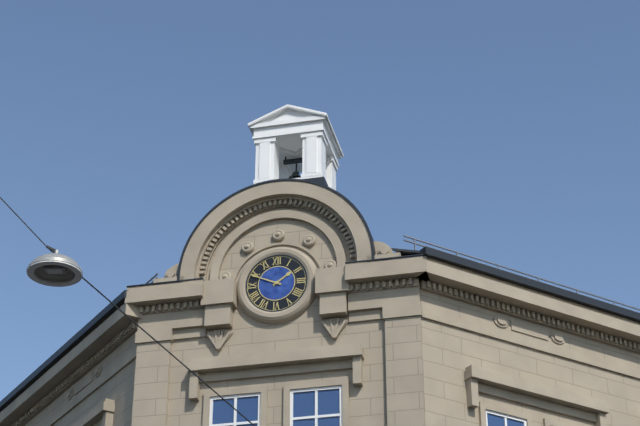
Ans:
**1:49**
